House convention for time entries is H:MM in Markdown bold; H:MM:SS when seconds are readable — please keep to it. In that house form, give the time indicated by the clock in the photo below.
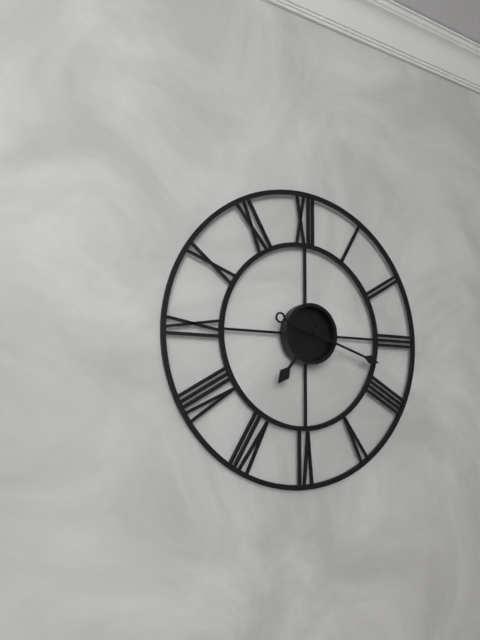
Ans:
**7:18**
